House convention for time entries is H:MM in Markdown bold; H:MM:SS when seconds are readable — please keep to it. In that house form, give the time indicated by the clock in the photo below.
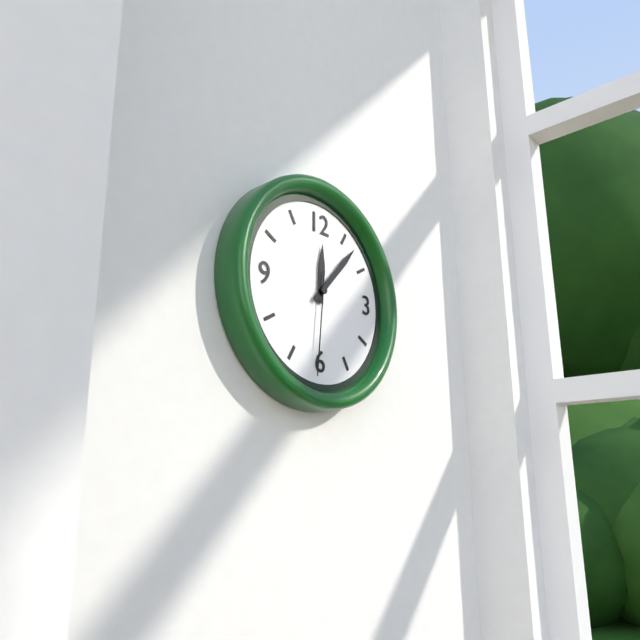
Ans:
**12:07:31**
